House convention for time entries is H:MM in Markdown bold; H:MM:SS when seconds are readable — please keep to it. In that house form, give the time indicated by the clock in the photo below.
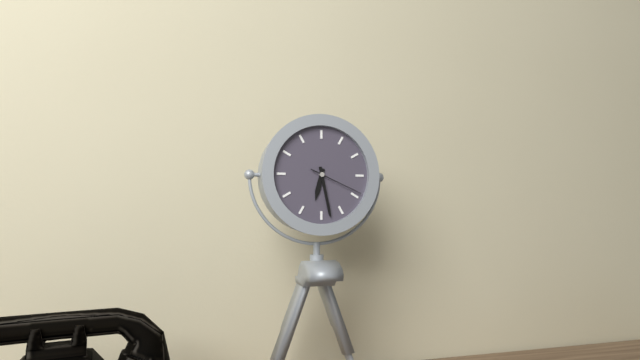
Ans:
**6:28:19**
